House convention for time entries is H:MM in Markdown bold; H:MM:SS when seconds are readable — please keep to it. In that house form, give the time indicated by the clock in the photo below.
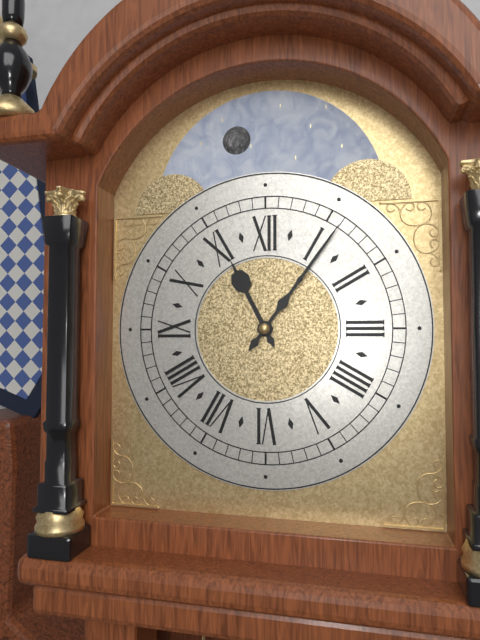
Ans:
**11:06**
